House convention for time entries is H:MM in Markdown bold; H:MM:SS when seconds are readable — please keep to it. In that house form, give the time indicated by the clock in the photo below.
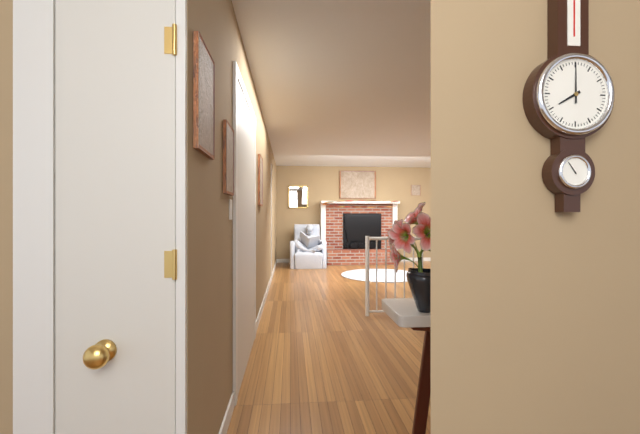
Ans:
**8:00**
